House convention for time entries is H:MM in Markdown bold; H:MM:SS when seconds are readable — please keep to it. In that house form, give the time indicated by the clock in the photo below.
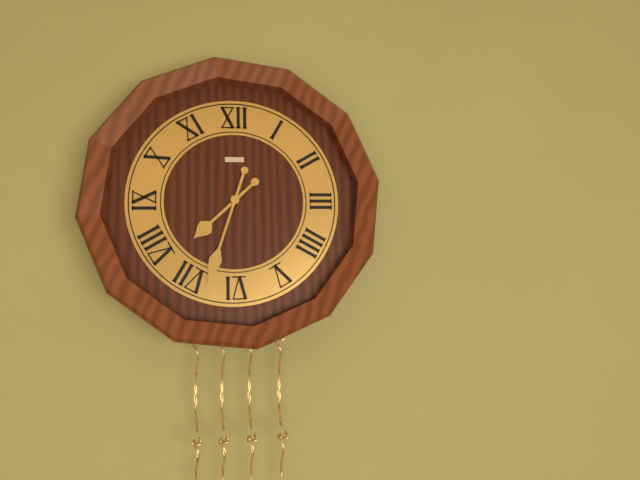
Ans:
**7:33**
